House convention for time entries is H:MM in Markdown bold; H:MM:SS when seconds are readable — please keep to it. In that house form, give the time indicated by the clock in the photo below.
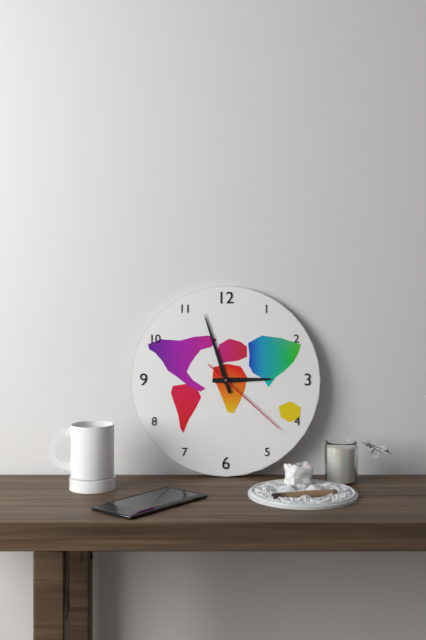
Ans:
**2:57:22**
